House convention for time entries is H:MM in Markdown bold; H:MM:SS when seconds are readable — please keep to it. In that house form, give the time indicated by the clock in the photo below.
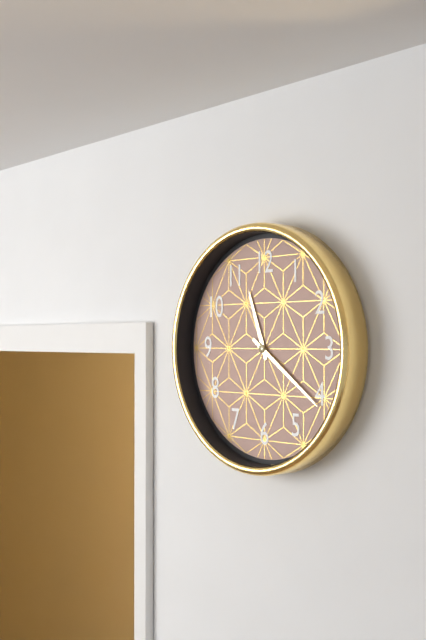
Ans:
**11:21**
